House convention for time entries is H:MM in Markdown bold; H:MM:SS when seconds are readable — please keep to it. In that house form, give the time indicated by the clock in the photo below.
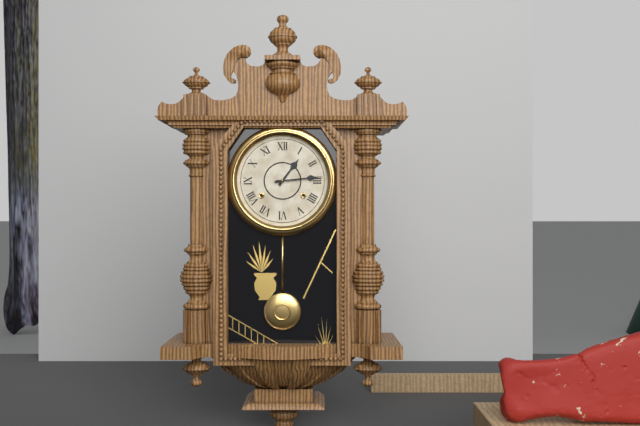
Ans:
**1:14**
